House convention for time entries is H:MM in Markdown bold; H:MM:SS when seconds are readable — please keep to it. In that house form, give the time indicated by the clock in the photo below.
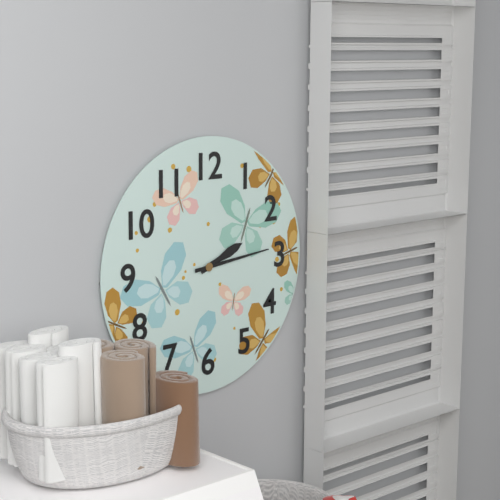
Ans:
**2:14**
